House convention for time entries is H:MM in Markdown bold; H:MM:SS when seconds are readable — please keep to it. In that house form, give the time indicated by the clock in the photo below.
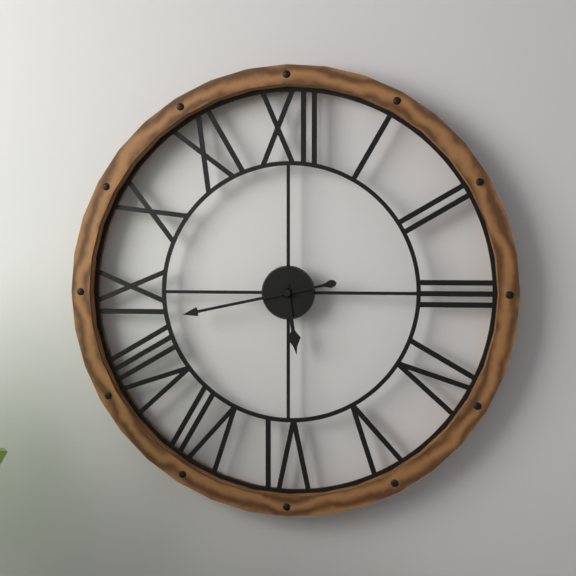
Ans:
**5:43**
